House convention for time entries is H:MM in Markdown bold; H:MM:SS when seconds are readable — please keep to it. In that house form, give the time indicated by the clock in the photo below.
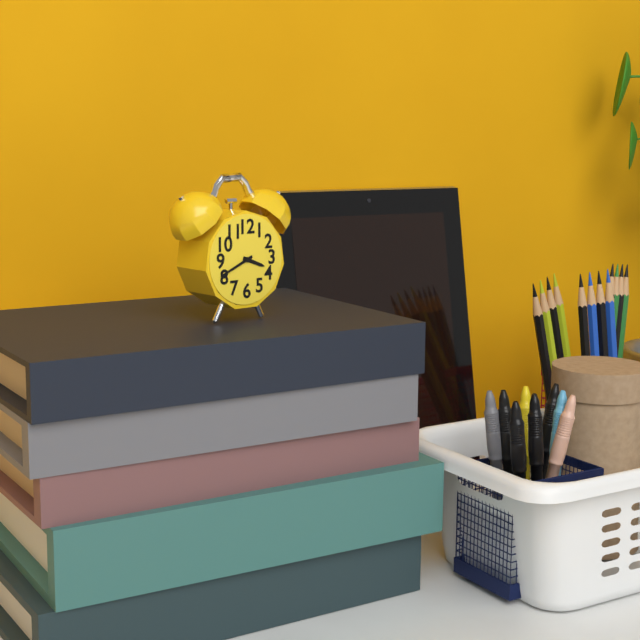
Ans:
**3:41**
